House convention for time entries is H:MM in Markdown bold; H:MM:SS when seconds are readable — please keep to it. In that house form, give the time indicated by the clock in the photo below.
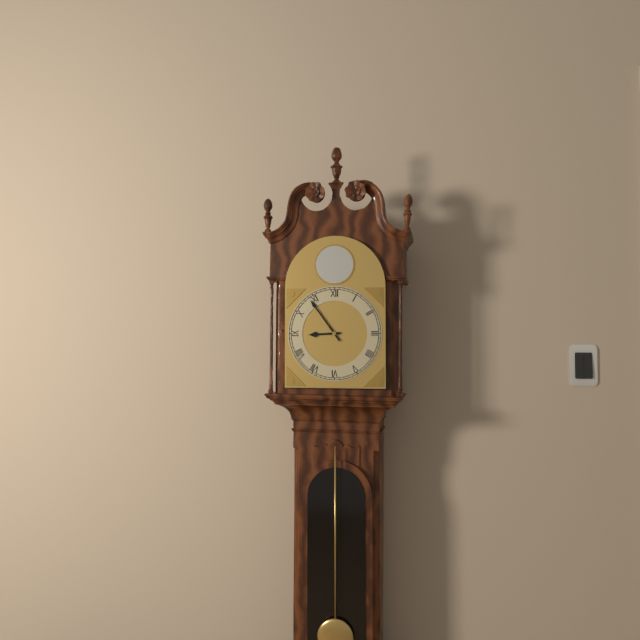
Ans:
**8:54**
